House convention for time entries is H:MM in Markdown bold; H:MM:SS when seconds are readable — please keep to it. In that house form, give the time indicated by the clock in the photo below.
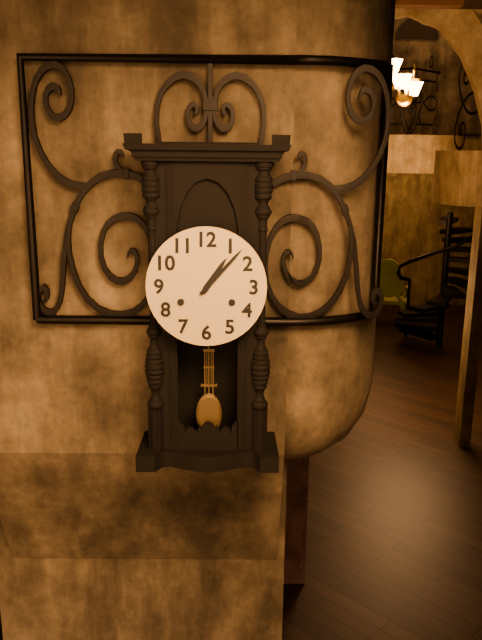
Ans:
**1:07**
